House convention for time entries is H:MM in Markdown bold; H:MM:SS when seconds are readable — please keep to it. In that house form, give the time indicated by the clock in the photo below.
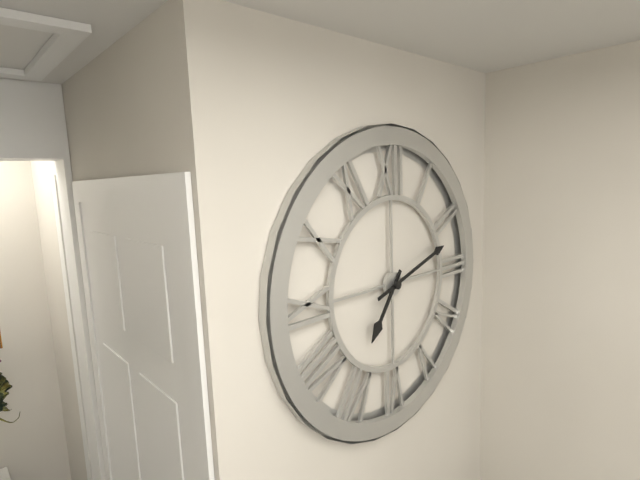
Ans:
**7:12**
